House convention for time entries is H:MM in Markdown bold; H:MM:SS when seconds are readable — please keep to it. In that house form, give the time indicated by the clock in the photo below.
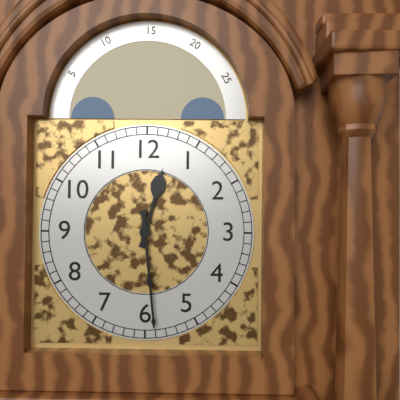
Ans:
**12:29**
